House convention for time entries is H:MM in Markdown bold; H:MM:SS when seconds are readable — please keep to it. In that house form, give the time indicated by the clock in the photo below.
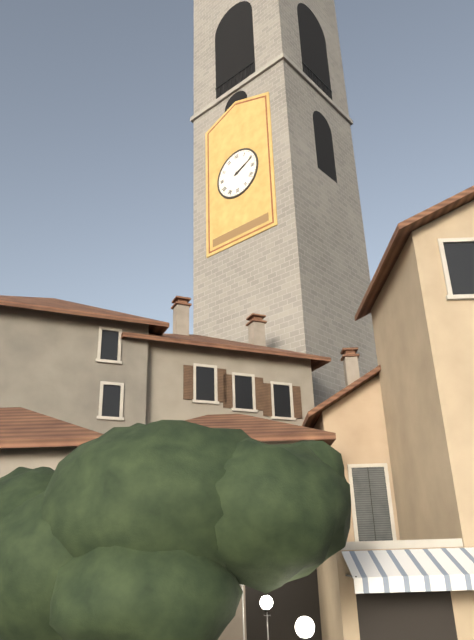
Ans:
**2:11**
